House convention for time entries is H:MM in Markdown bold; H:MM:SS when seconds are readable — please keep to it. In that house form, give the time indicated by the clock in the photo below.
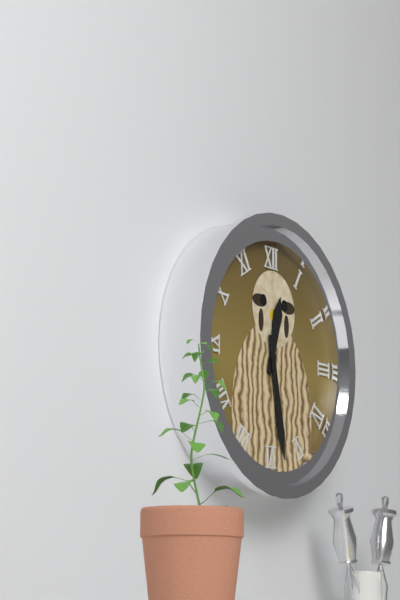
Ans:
**12:28**
